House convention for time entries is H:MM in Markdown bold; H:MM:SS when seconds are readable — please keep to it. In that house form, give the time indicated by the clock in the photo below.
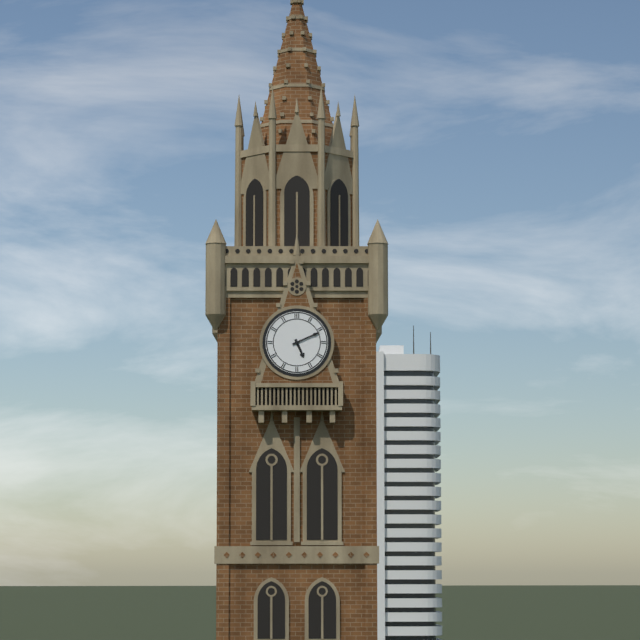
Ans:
**5:11**
